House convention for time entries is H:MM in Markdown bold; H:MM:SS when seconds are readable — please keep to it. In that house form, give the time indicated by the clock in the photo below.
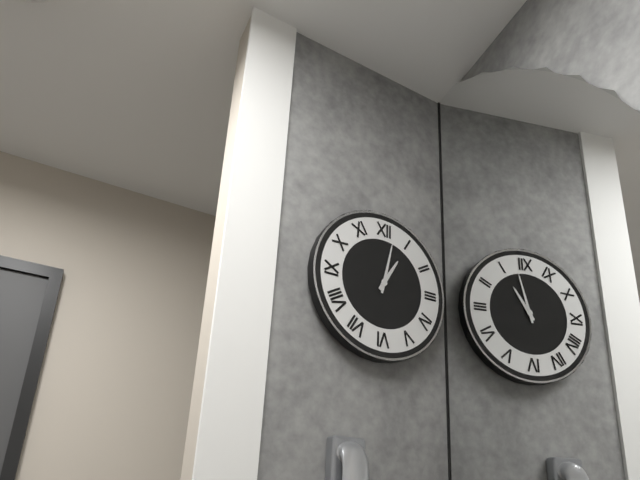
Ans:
**1:02**
